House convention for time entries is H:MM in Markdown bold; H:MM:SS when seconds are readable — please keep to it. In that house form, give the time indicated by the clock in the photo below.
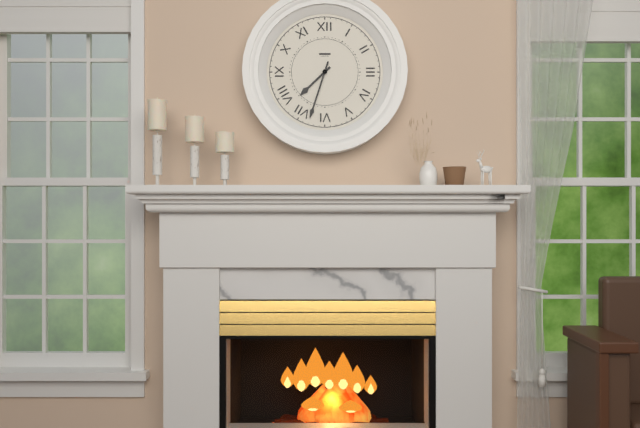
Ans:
**7:33**
